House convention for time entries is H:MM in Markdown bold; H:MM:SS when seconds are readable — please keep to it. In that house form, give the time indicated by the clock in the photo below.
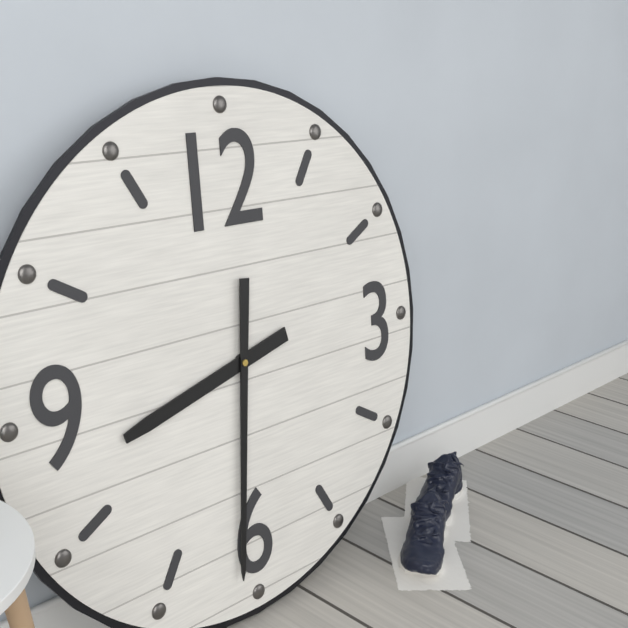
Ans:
**8:31**
